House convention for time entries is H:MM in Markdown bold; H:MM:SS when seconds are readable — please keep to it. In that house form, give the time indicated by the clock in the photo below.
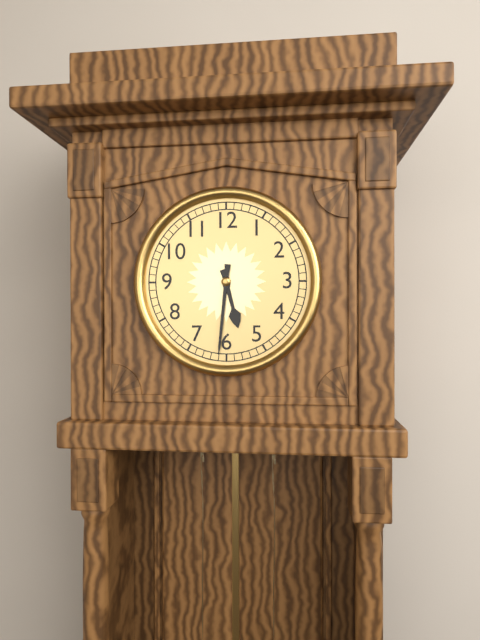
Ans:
**5:31**
